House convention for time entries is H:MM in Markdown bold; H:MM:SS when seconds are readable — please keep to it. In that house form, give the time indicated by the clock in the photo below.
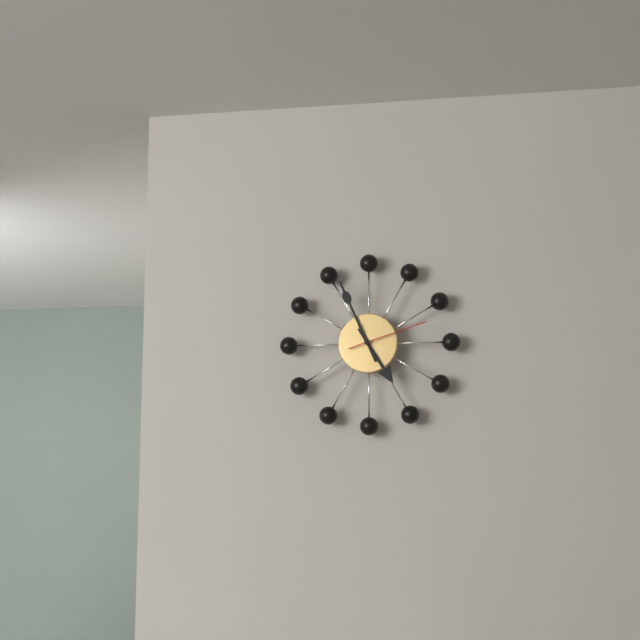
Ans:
**4:56:12**
